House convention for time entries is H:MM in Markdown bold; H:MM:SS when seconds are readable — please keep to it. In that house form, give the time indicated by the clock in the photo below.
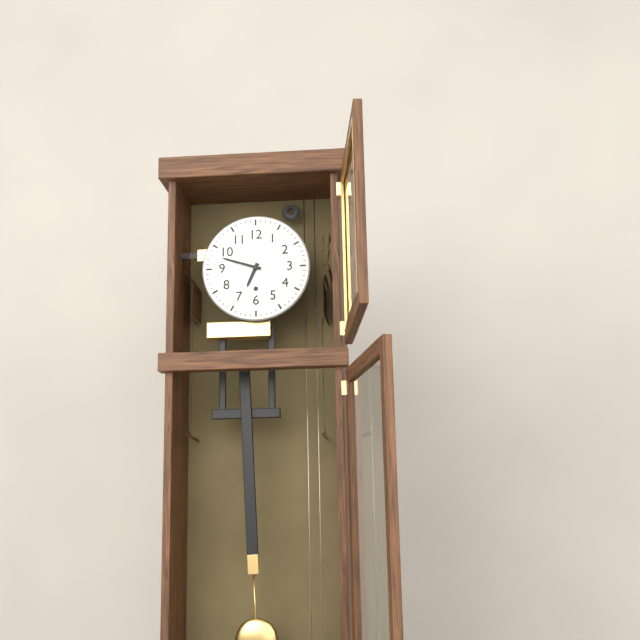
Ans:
**6:48**
